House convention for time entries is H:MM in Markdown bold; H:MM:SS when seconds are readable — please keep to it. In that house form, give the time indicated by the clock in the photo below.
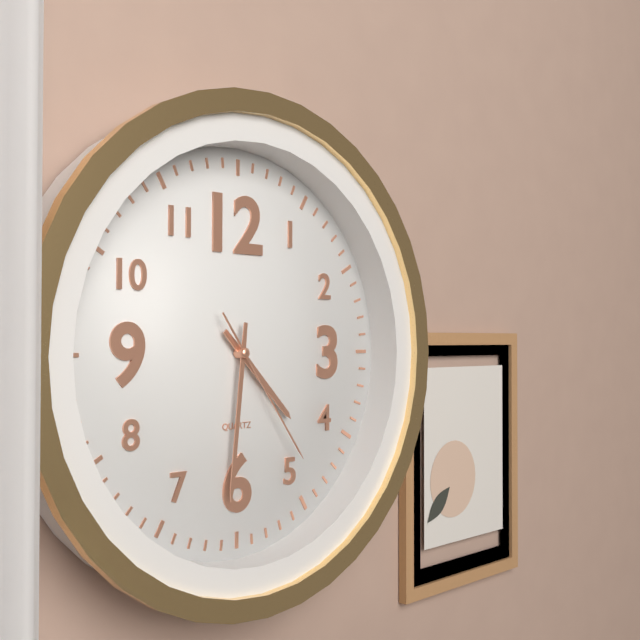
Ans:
**4:31:24**
